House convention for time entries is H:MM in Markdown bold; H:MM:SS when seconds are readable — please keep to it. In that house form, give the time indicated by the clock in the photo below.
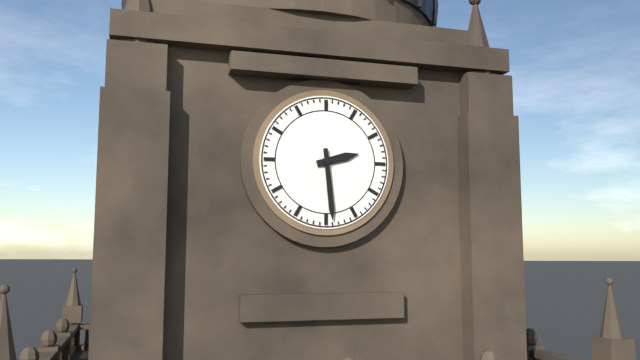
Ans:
**2:29**
